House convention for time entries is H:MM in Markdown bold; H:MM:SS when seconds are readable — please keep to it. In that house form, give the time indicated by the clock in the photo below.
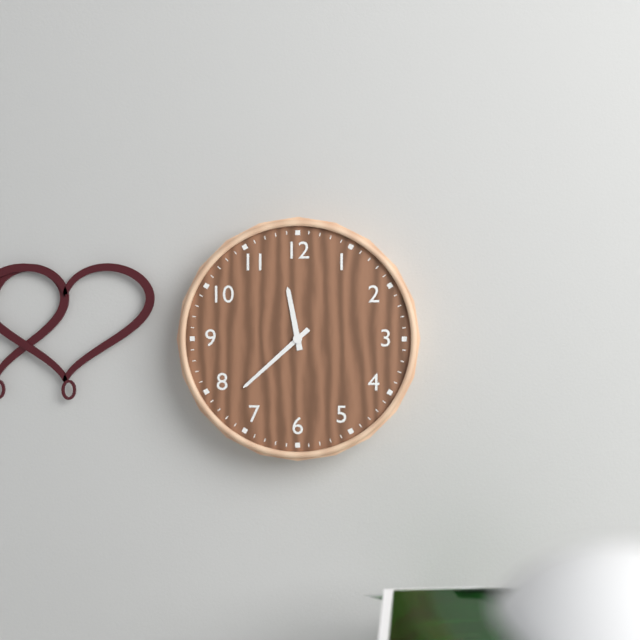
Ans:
**11:38**
